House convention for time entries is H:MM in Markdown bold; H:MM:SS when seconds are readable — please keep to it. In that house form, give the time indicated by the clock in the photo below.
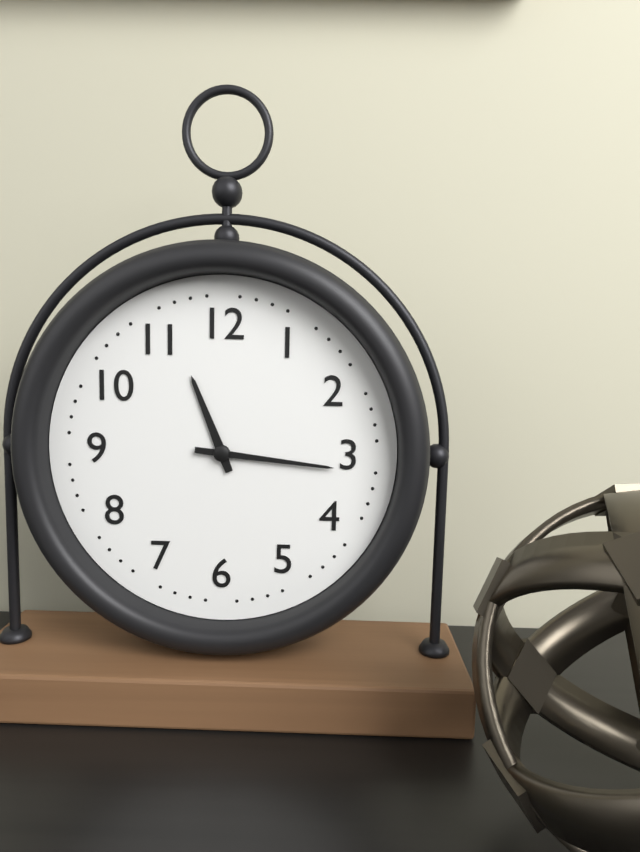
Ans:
**11:16**
